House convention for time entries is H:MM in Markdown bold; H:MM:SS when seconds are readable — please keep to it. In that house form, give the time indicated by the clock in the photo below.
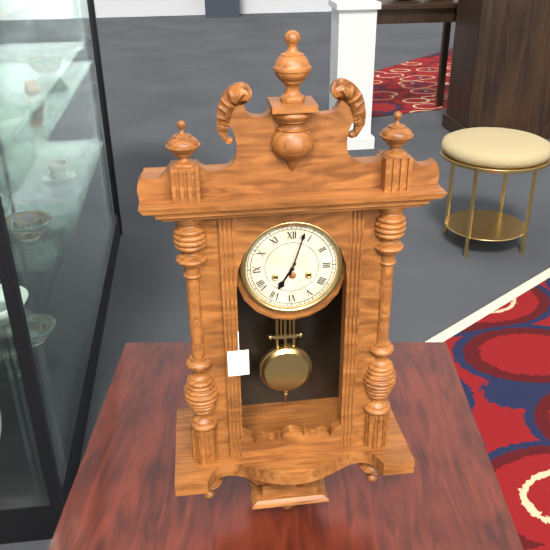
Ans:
**7:03**
